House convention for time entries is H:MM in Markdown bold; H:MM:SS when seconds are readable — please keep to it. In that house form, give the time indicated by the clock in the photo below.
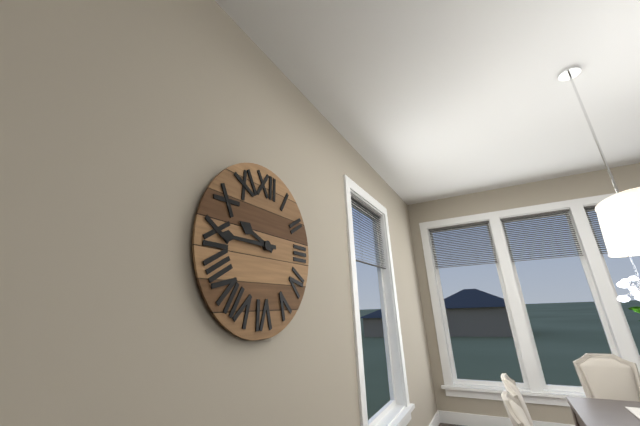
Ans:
**9:45**
